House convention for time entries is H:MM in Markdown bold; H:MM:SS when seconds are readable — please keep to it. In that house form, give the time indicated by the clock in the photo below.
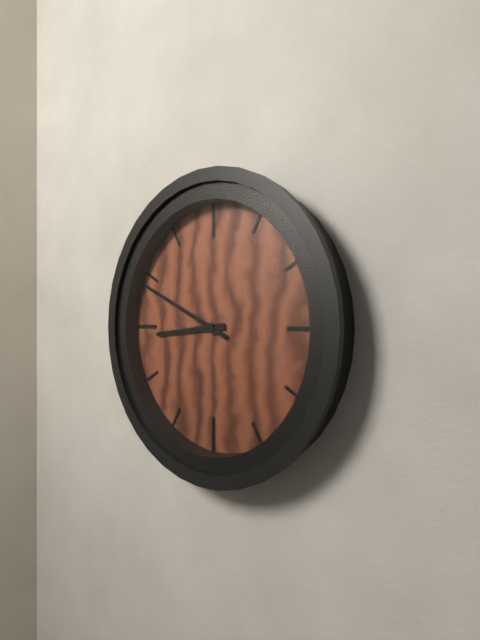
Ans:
**8:49**
